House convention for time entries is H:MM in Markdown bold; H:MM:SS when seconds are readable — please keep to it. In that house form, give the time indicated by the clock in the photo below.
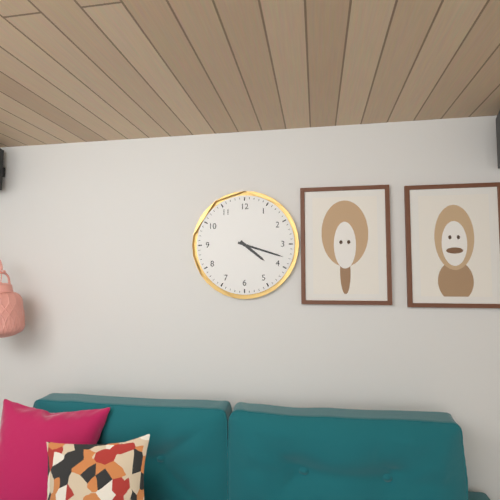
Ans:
**4:18**
